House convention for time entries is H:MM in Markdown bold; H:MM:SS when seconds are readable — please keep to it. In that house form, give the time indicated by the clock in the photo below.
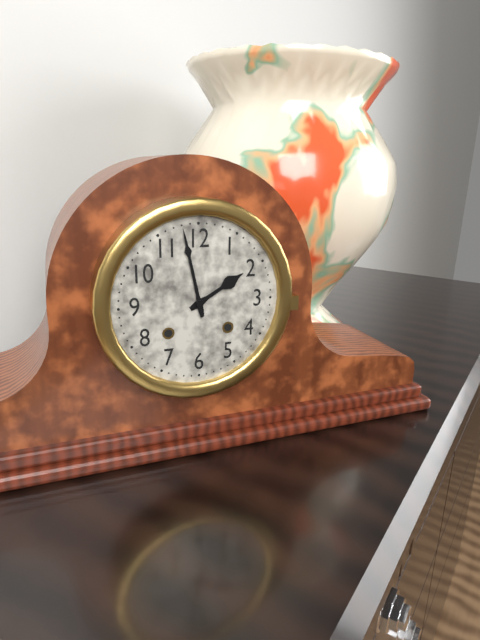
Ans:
**1:58**
